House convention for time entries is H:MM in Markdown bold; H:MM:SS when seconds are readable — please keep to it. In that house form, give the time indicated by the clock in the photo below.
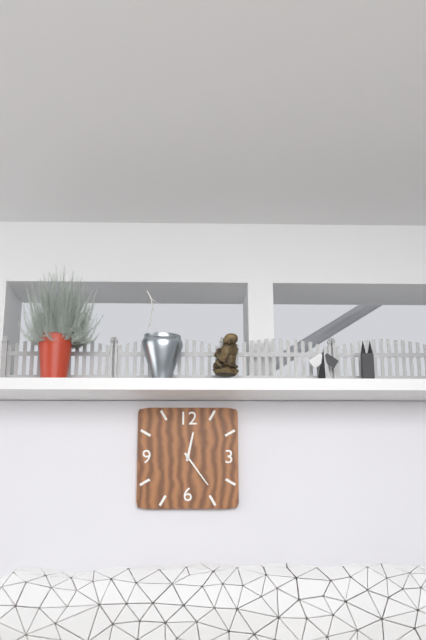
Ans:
**12:24**
